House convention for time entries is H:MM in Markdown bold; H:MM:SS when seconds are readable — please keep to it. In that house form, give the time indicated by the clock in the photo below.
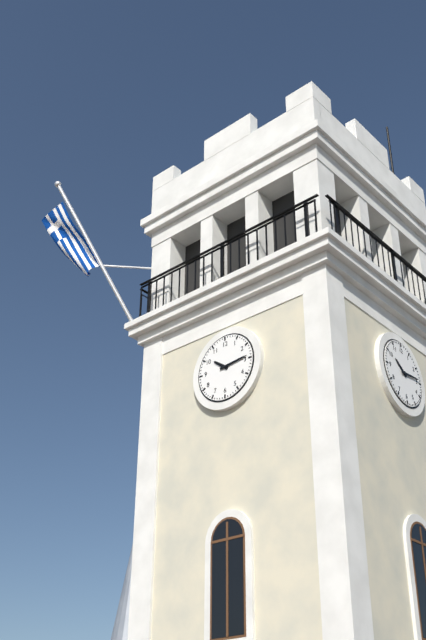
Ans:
**10:14**
